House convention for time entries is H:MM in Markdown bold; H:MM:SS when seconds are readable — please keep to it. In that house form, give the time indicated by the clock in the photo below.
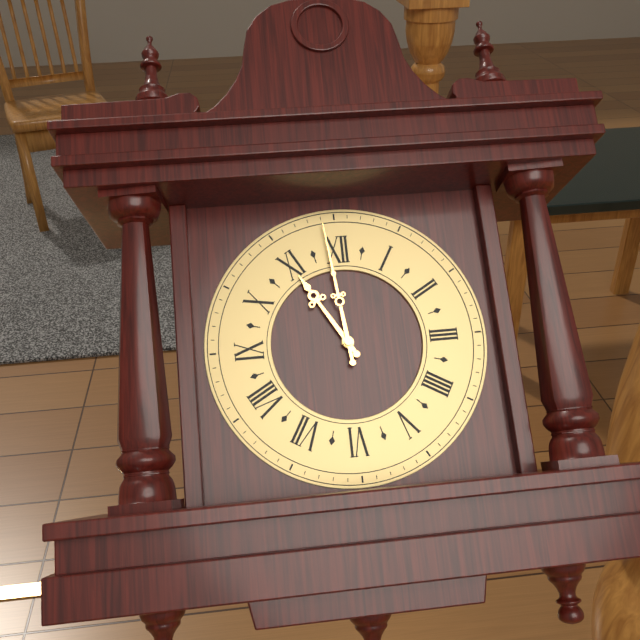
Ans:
**10:59**
